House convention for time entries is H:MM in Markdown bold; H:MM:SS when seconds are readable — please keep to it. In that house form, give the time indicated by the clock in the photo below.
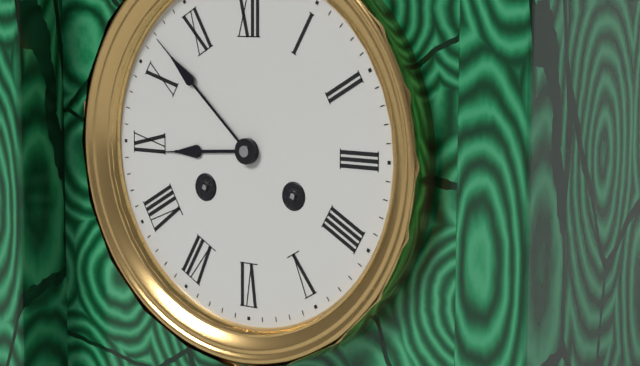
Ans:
**8:52**
